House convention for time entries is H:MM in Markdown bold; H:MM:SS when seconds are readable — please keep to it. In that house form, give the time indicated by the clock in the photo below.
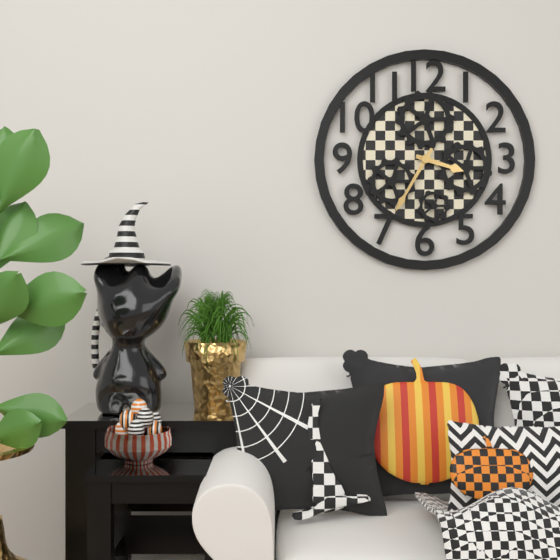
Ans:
**3:35**
